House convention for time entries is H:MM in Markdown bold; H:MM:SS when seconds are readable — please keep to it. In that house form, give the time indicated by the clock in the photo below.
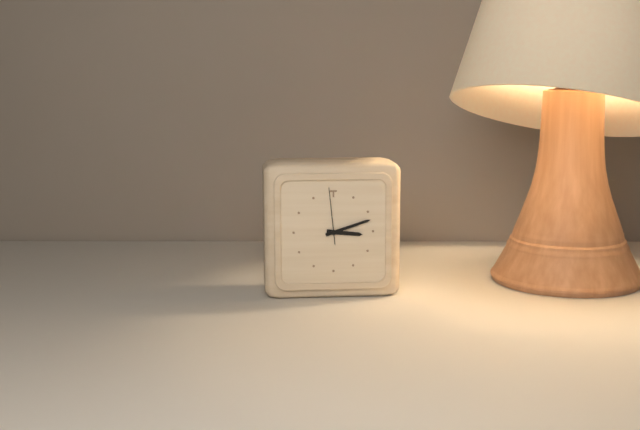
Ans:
**3:12:59**
